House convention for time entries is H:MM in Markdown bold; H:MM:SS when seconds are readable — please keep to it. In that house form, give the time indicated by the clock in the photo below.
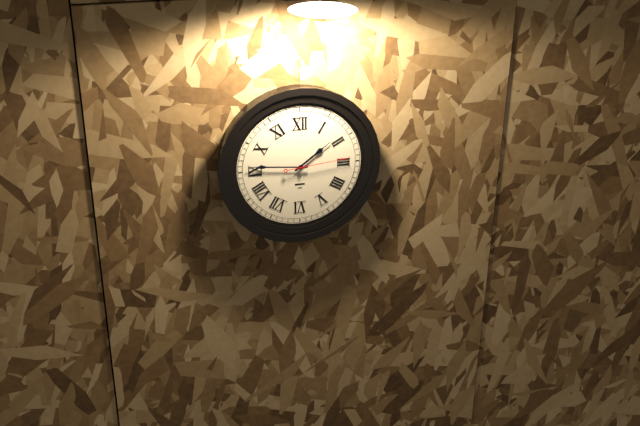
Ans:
**1:46:14**
